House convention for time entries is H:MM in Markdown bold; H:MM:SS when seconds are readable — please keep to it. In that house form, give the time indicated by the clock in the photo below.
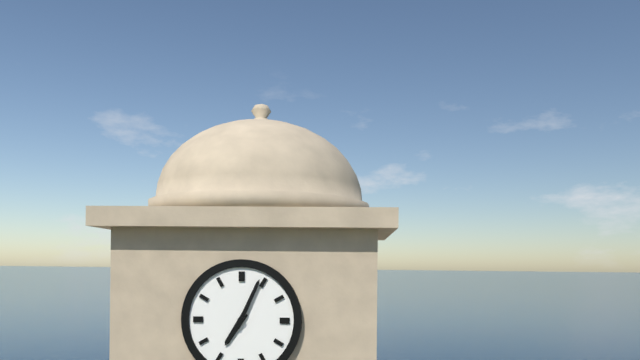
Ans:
**7:04**
